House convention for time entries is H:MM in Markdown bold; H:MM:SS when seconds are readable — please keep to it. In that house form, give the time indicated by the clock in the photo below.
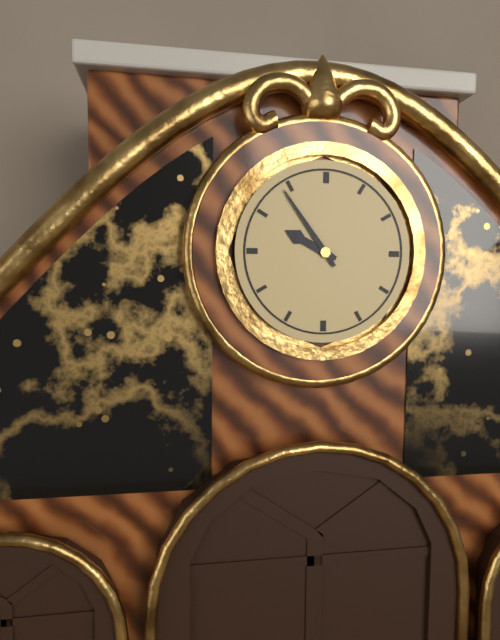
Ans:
**9:54**
